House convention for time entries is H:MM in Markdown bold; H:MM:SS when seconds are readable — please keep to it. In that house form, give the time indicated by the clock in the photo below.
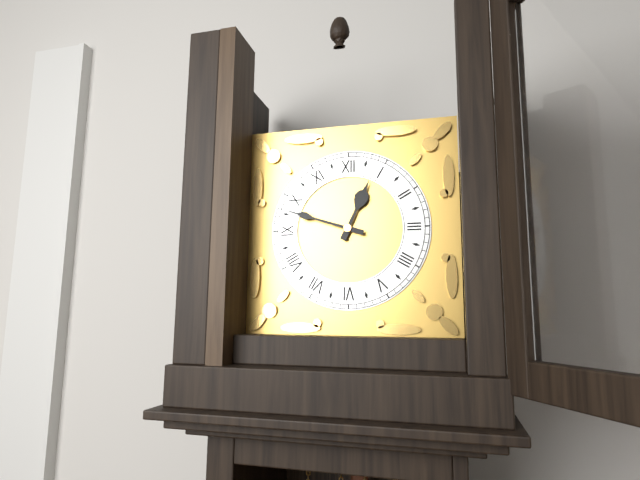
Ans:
**12:48**
